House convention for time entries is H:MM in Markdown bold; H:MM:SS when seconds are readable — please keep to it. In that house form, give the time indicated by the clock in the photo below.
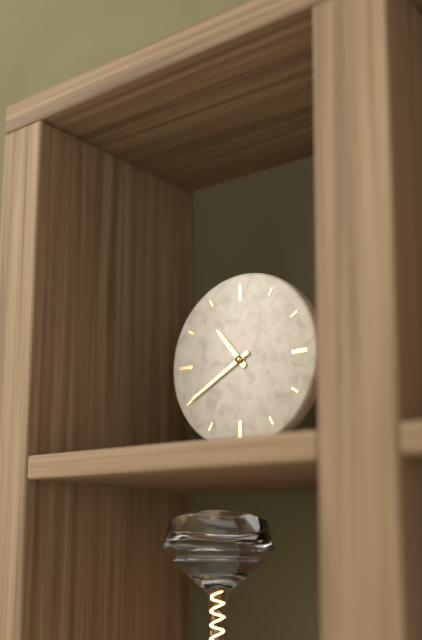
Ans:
**10:40**
